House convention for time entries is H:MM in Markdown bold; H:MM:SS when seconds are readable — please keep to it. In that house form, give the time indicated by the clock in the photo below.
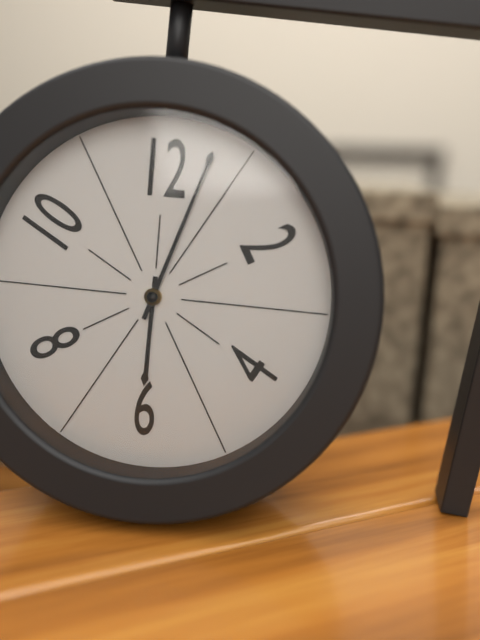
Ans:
**6:03**
